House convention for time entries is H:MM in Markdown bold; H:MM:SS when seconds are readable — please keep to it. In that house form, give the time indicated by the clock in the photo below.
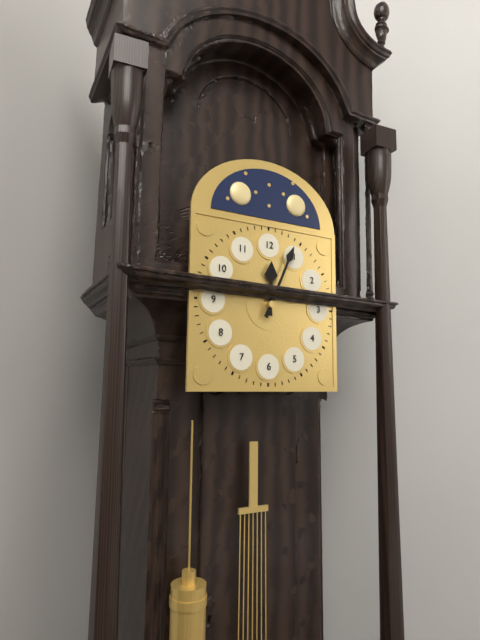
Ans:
**12:04**
